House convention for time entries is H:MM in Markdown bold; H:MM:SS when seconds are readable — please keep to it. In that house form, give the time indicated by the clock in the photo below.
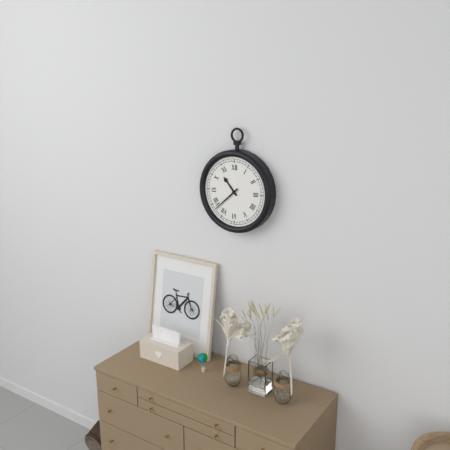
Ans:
**10:38**
